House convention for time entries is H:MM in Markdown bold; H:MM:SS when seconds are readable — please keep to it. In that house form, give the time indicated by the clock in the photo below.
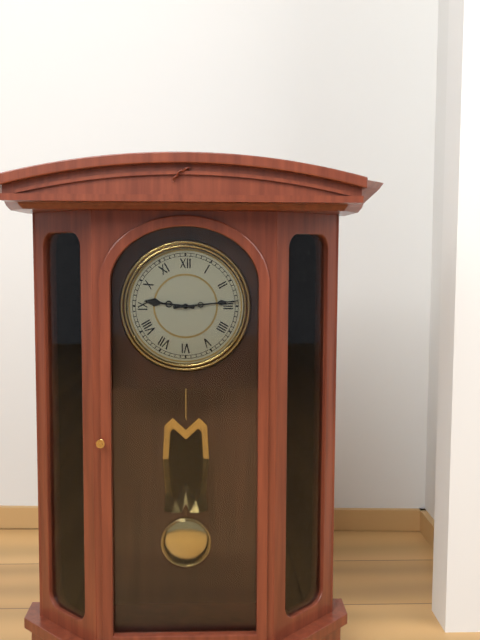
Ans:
**9:14**
